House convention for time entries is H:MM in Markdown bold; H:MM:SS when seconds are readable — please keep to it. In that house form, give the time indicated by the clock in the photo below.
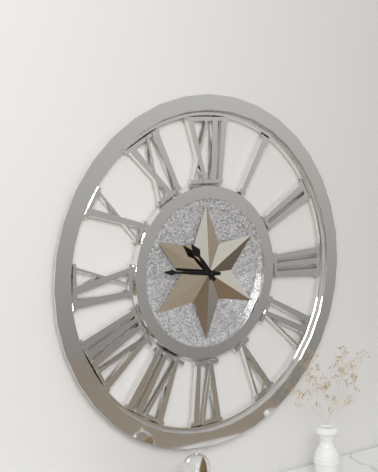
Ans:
**10:46**
